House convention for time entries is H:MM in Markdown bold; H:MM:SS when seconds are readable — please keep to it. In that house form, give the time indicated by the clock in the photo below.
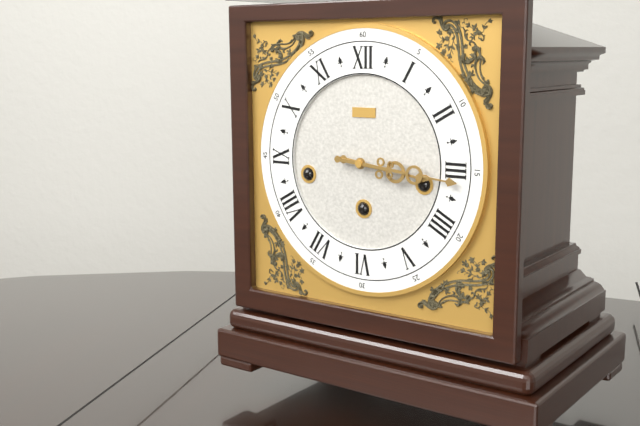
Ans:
**3:16**
